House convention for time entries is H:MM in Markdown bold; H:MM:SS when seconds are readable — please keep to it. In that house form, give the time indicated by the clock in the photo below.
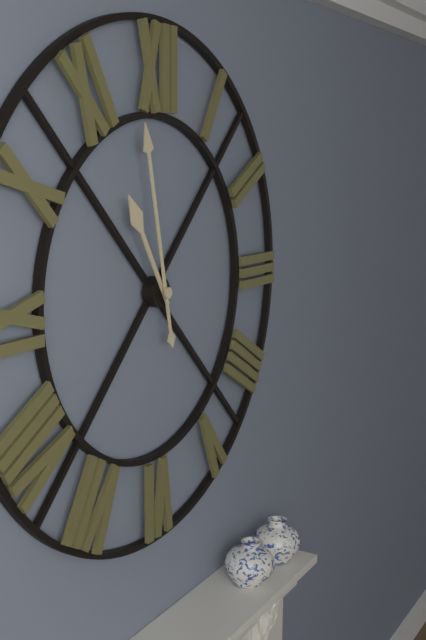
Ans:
**10:58**
